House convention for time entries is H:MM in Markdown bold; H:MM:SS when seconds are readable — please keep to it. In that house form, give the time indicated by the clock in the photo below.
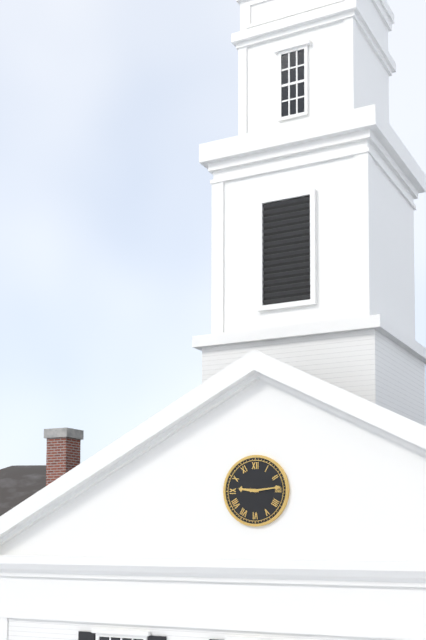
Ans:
**9:14**
